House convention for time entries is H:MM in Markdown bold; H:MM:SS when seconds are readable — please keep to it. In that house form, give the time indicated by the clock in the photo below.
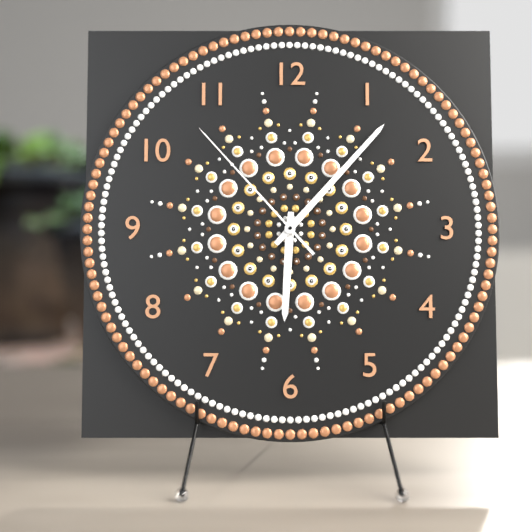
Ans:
**6:07:53**
